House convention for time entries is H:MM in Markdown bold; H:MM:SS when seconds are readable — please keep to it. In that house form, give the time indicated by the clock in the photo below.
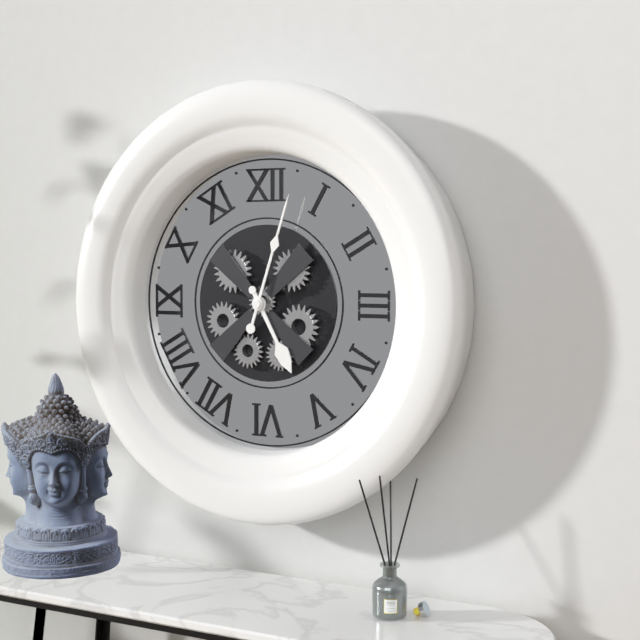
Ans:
**5:03**
